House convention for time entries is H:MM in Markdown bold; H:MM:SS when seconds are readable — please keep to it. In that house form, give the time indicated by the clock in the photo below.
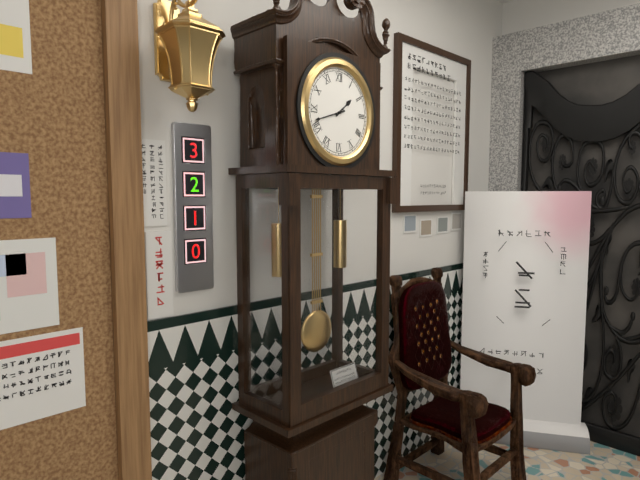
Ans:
**1:42**
